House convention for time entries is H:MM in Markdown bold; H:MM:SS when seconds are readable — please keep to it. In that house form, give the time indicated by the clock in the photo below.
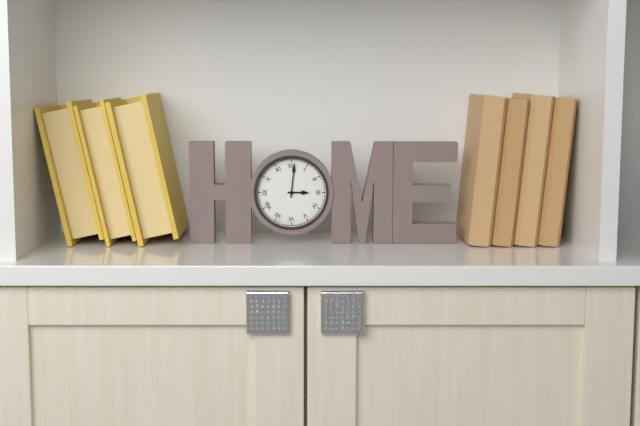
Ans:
**3:01**
